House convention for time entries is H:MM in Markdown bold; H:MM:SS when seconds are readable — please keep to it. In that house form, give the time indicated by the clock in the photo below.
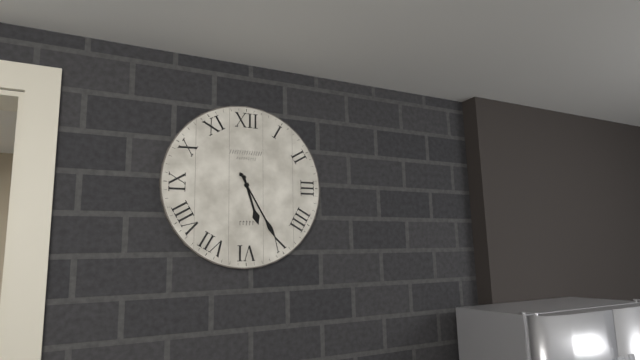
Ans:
**5:25**
